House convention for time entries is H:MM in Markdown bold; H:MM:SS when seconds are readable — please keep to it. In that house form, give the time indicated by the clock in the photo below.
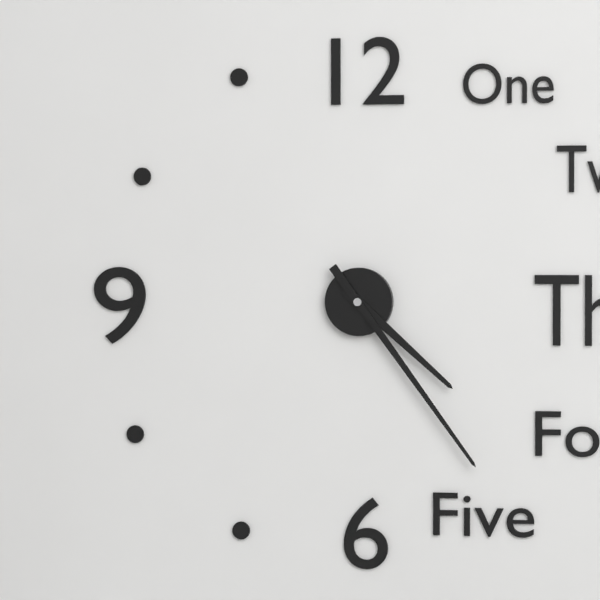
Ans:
**4:24**
